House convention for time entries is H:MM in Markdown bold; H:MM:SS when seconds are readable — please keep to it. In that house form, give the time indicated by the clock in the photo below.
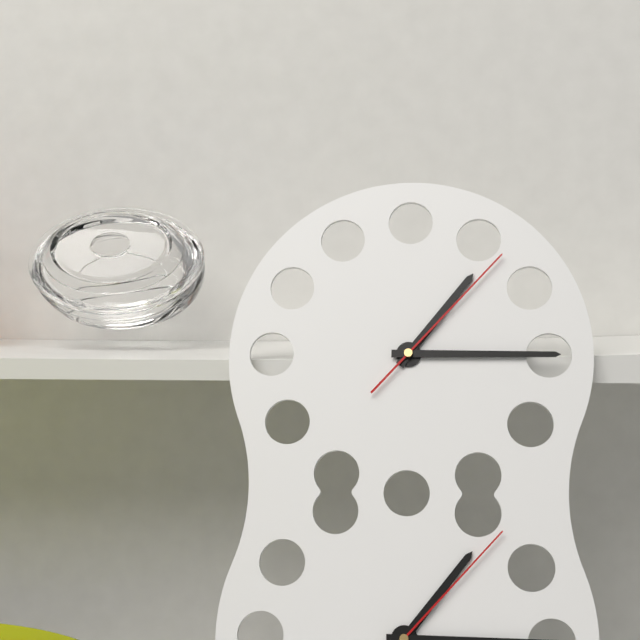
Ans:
**1:15:07**
